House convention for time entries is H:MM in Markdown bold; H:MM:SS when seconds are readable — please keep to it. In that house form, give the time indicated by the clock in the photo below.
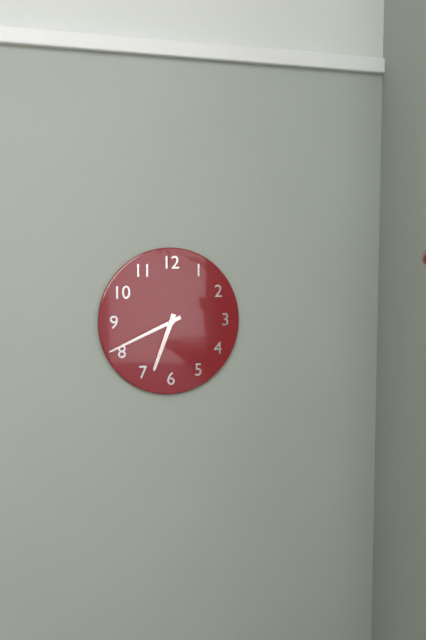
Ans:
**6:41**
